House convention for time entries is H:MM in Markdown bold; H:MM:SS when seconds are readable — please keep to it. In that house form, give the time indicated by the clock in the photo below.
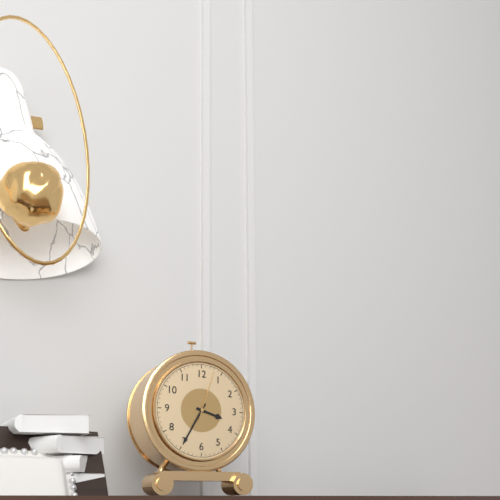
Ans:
**3:35:03**
